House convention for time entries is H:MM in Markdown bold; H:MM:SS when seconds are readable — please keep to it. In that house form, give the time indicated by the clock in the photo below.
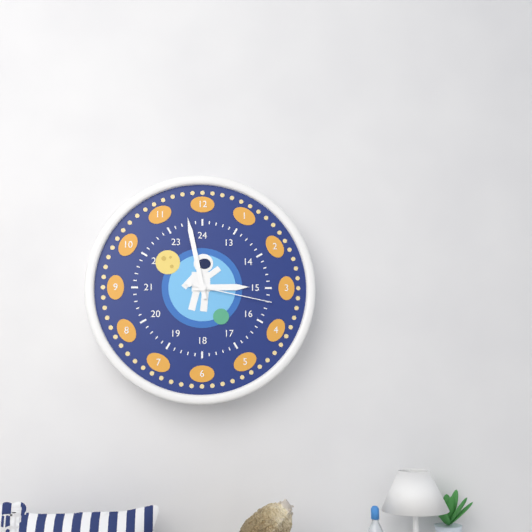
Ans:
**2:58:17**
